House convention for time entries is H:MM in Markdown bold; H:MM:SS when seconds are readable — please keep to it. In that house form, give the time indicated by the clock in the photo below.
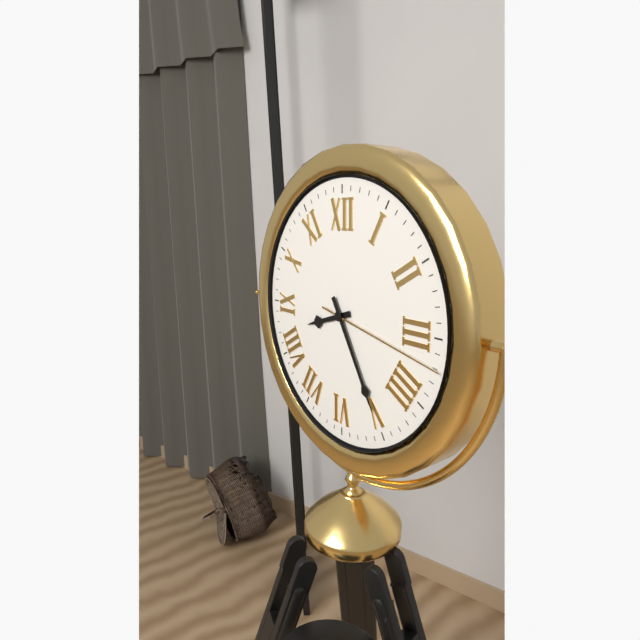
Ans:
**8:25:17**
